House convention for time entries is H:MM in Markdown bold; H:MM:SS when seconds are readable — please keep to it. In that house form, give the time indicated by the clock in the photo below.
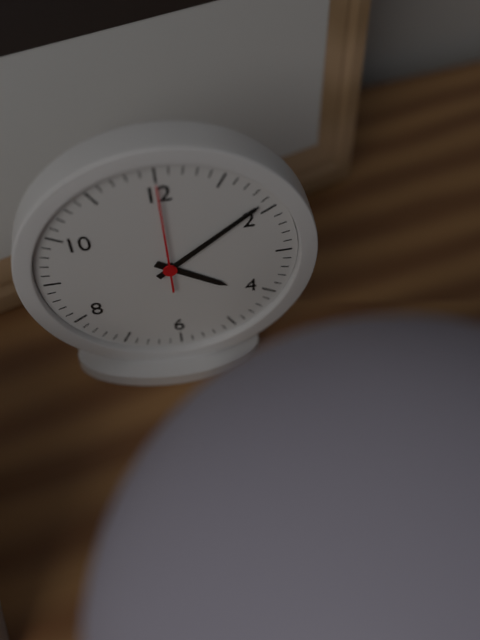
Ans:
**4:09:00**
